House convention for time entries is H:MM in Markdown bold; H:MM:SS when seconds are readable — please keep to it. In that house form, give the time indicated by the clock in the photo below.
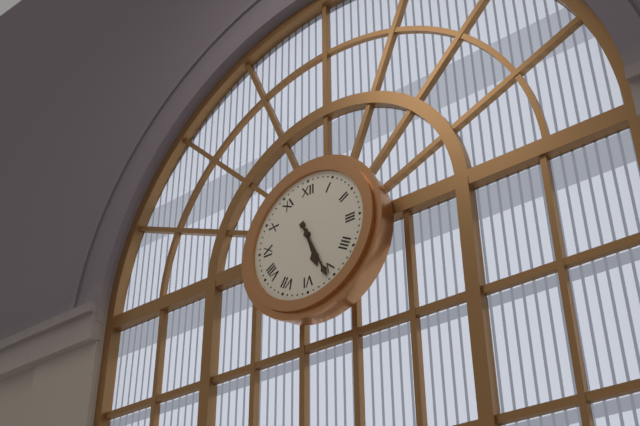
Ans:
**5:26**
